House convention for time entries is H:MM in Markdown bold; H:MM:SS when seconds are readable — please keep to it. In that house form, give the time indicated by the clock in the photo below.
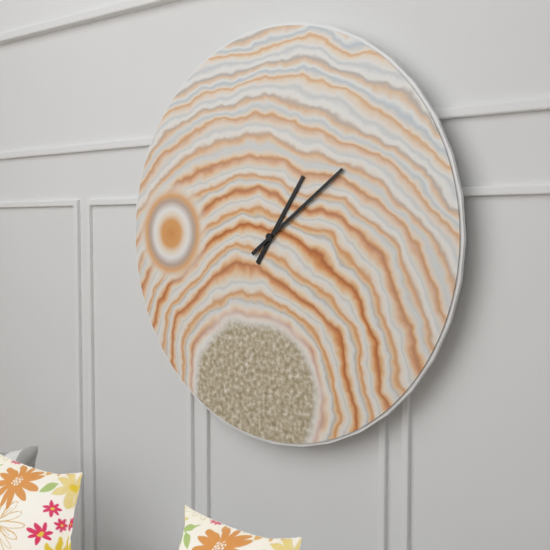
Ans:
**1:09**
